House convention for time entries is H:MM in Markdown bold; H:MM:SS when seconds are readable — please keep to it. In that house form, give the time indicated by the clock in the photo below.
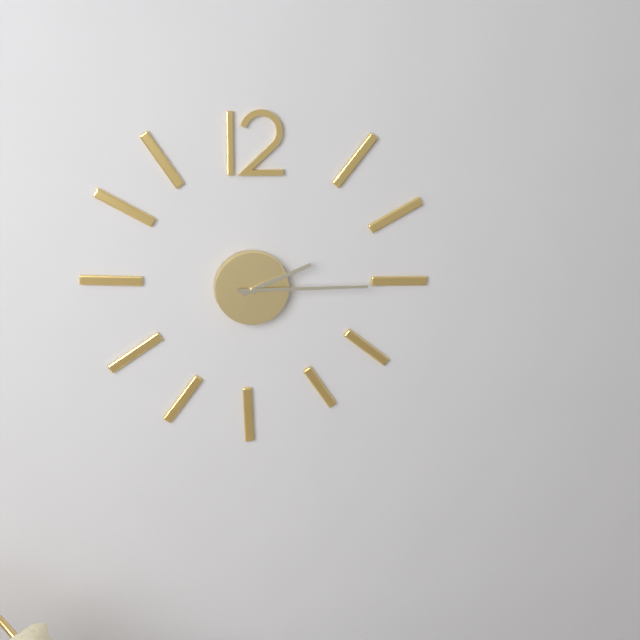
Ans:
**2:15**
